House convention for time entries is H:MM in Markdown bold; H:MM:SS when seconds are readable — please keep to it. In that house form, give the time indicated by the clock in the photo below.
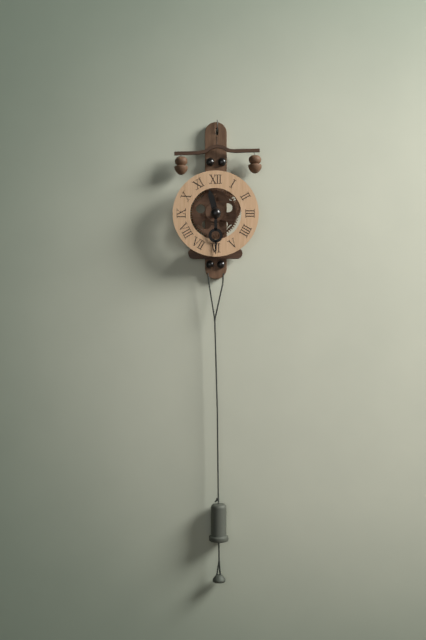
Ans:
**11:30**
